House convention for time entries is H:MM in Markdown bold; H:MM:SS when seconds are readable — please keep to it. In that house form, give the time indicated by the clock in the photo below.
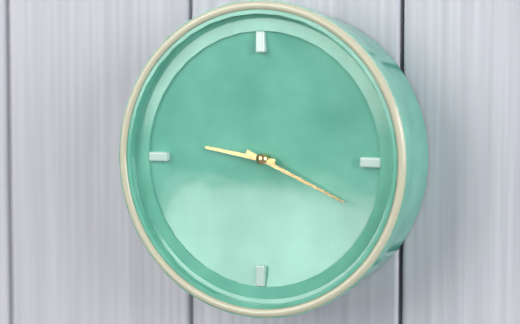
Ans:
**9:19**
